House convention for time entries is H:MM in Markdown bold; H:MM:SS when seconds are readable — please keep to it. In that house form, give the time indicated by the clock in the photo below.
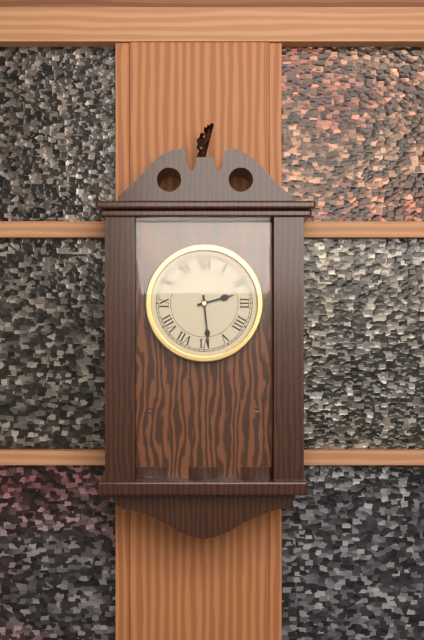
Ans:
**2:29**
